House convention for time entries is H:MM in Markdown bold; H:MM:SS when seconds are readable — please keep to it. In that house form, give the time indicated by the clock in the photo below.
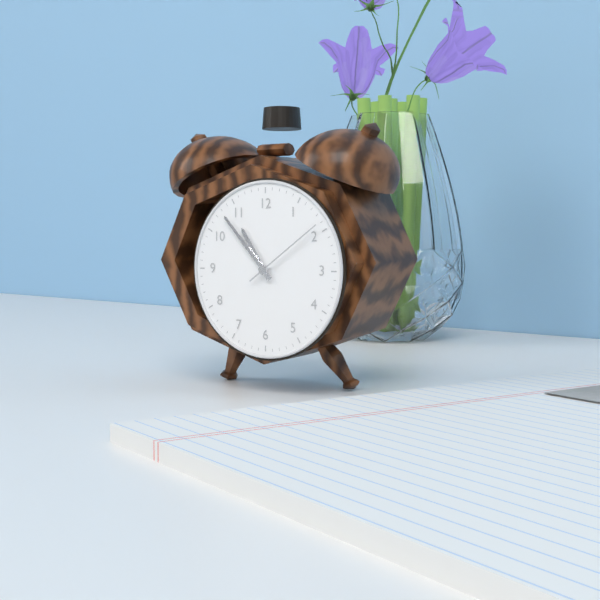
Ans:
**10:53:09**
